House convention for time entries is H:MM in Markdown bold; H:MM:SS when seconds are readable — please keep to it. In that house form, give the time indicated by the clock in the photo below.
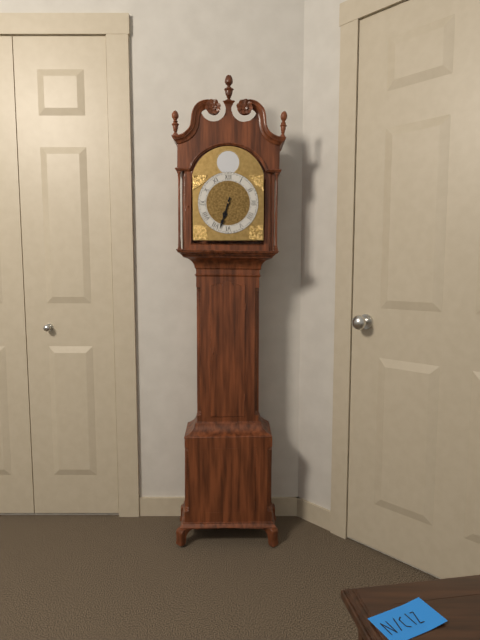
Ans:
**6:33**
